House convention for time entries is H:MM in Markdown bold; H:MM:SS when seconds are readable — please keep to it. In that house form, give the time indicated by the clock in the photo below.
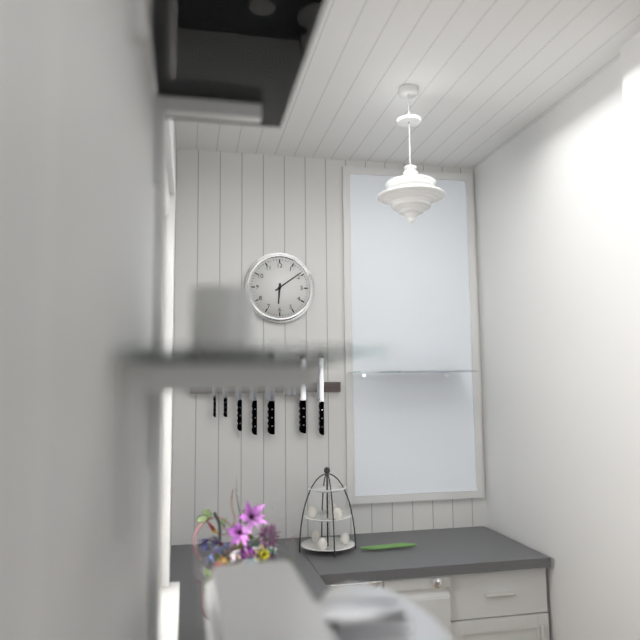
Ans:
**6:09**
